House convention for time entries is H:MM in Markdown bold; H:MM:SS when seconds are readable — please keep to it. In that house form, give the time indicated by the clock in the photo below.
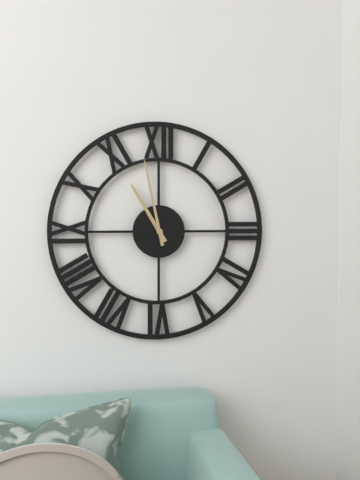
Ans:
**10:58**
